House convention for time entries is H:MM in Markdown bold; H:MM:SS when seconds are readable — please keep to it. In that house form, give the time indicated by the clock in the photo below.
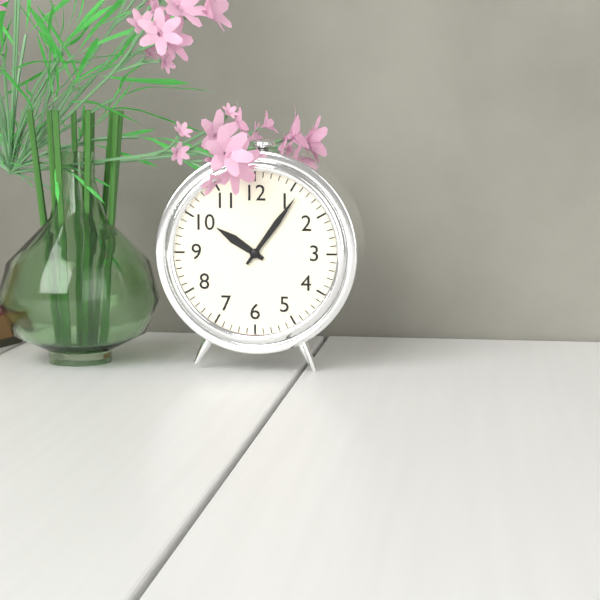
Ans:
**10:06**
